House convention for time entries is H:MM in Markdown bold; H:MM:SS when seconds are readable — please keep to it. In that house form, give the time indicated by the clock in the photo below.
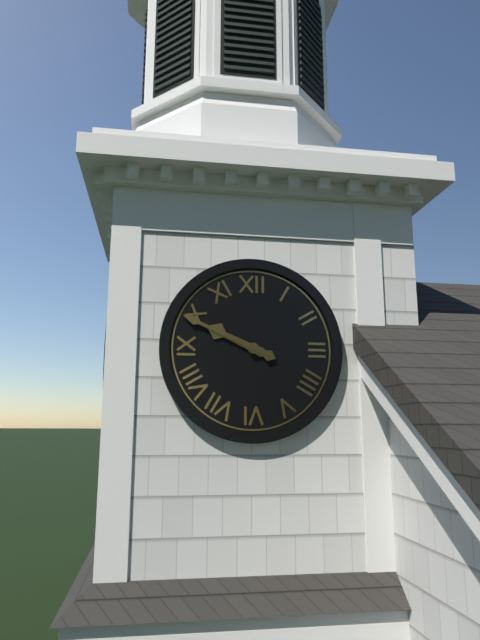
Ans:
**9:49**
